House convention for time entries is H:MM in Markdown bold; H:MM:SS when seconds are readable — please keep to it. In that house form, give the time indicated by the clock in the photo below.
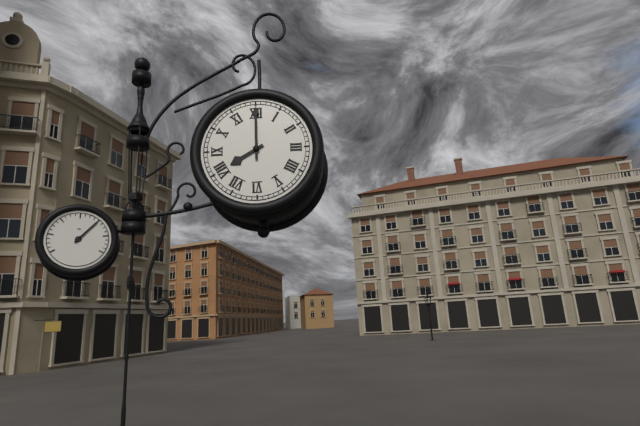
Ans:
**8:00**
